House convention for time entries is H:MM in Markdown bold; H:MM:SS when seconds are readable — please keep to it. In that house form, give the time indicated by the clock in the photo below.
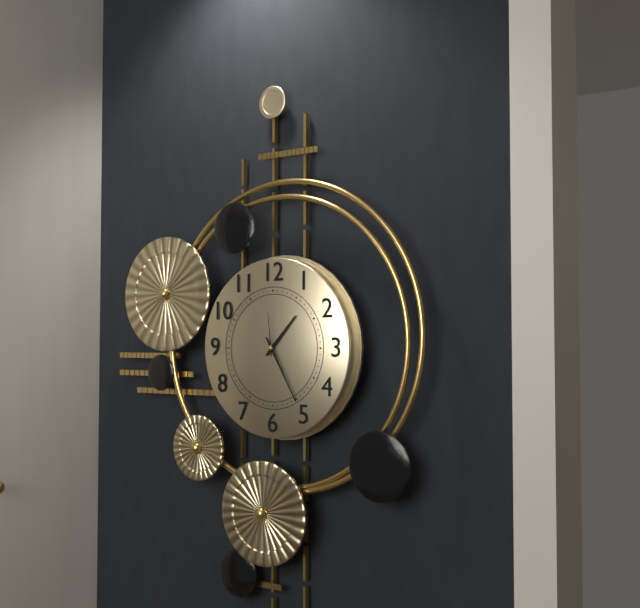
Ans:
**1:25**
